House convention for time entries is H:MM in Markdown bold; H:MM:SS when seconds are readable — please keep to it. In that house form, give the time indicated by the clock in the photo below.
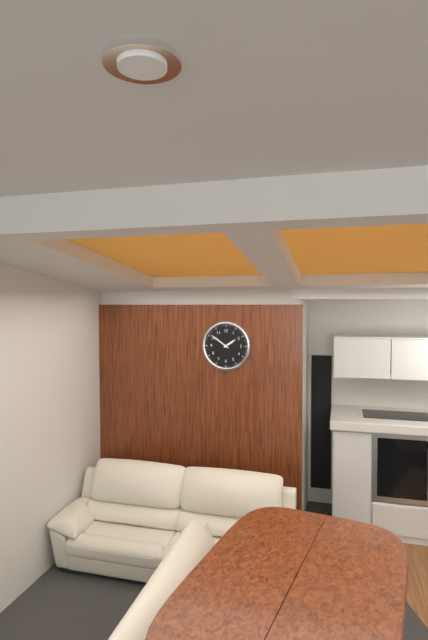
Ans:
**1:51**
